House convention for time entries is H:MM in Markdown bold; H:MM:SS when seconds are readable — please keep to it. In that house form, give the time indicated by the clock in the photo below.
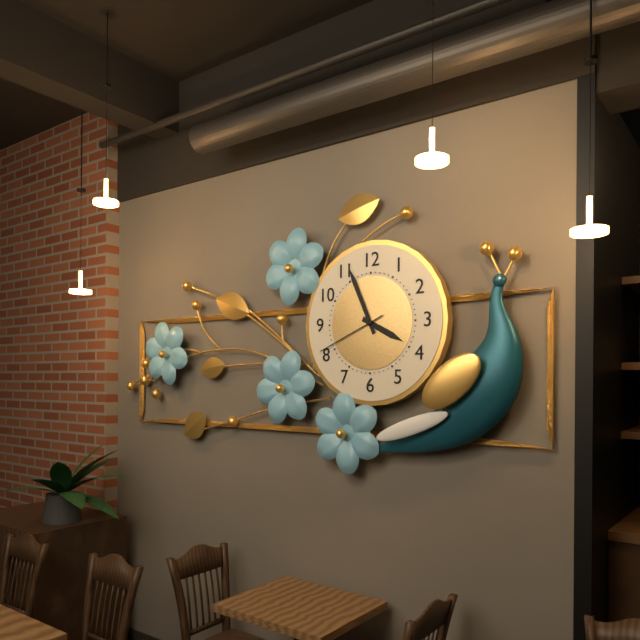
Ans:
**3:56:41**
